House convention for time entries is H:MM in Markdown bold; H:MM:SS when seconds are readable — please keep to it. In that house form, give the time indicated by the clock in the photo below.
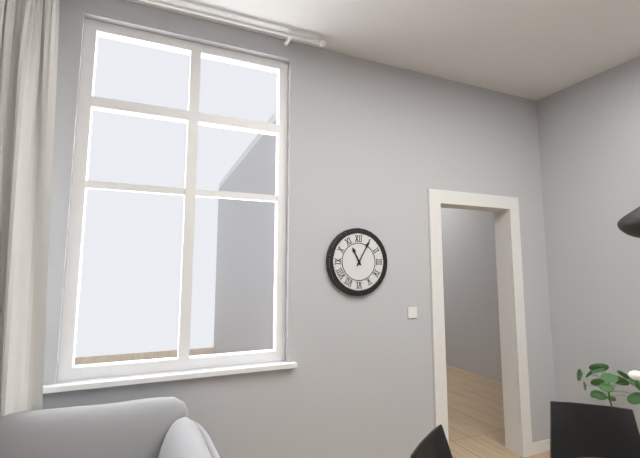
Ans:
**11:05**
